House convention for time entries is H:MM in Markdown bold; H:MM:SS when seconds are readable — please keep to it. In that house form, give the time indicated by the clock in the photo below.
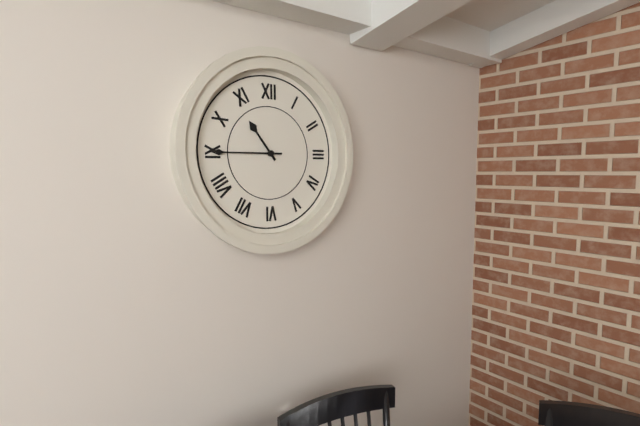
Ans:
**10:45**
